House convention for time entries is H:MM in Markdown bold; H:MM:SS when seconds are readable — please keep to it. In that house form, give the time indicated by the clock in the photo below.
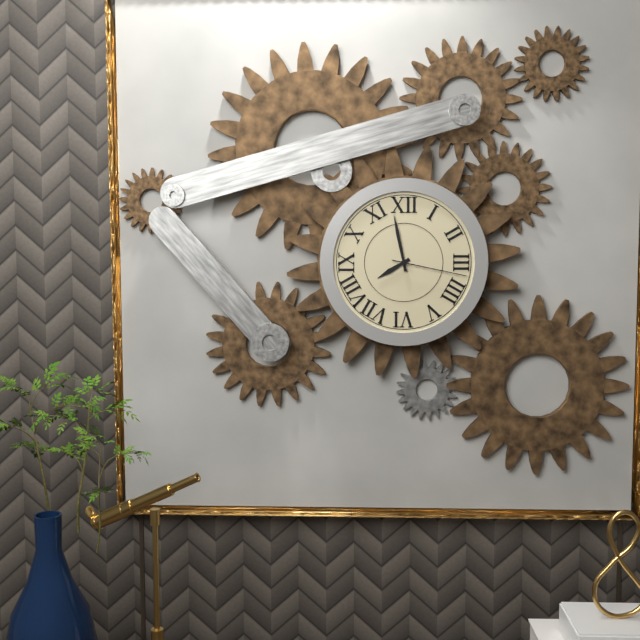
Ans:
**7:58:17**
